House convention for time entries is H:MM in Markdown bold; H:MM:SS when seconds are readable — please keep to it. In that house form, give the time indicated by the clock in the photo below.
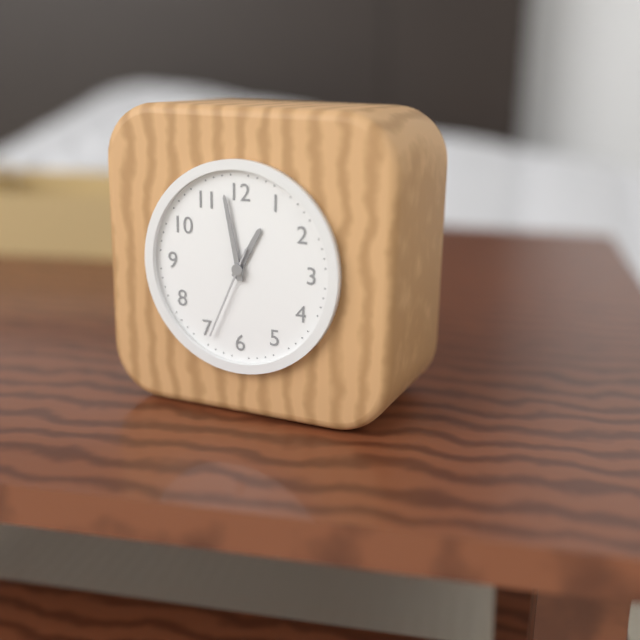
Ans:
**12:58:34**
